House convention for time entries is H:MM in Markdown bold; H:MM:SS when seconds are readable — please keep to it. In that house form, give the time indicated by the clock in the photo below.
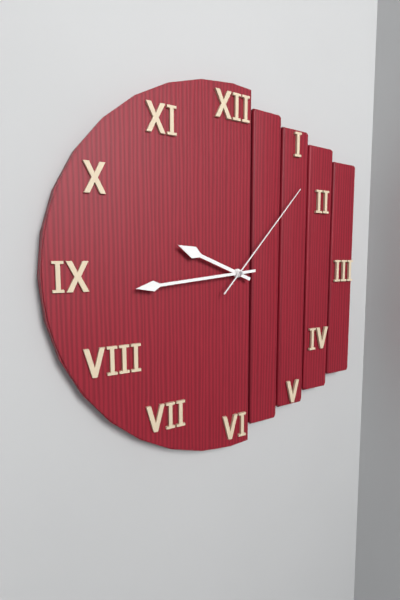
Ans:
**9:44:07**
